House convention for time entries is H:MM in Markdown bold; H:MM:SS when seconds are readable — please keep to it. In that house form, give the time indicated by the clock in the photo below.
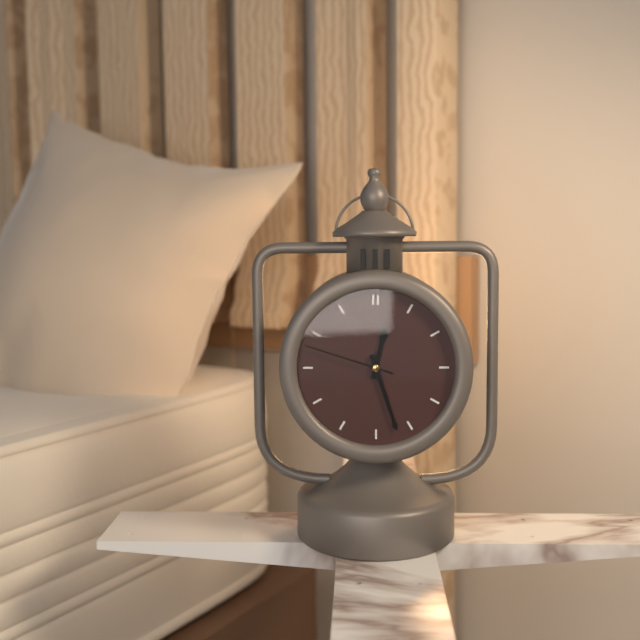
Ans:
**12:27:48**
